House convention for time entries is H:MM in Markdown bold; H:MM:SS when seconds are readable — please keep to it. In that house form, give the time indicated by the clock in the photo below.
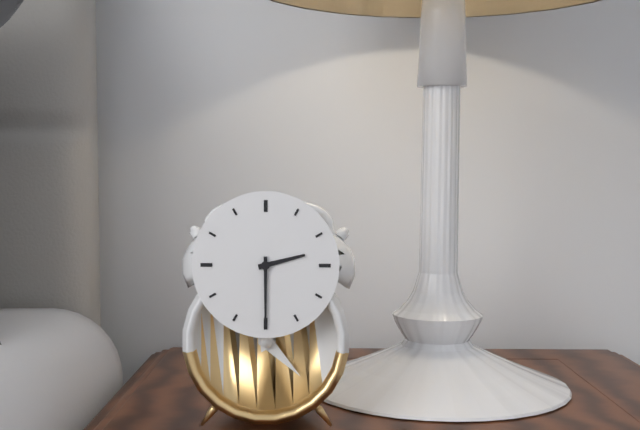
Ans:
**2:30**
